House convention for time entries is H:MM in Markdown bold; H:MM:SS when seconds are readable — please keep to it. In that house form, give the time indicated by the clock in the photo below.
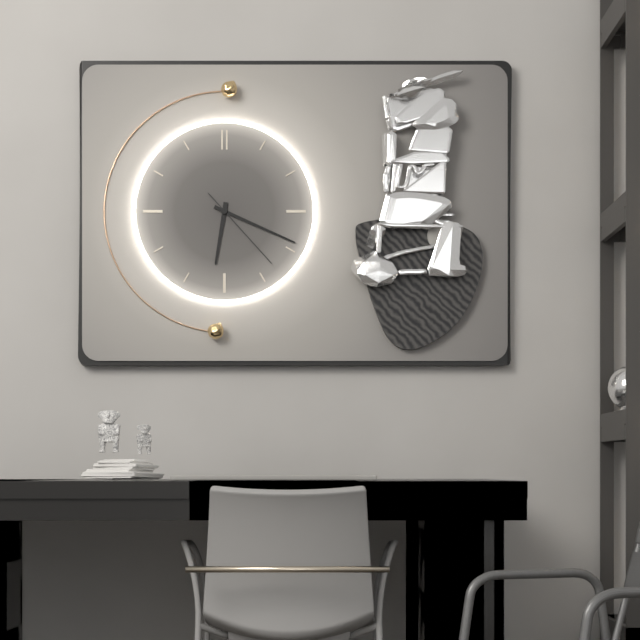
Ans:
**6:19:23**
